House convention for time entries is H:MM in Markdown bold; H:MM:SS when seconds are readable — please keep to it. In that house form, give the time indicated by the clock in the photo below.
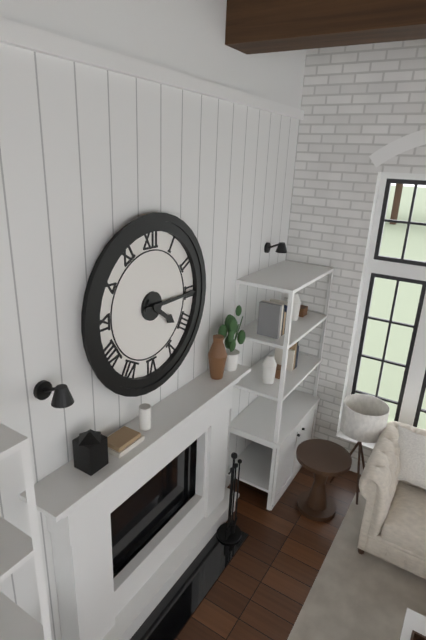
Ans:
**4:15**
